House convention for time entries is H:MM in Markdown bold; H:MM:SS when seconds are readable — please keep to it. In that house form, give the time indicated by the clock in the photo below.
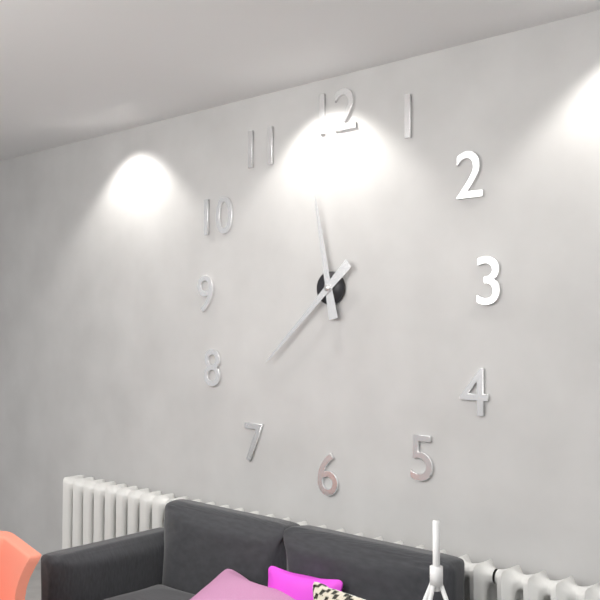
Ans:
**11:38**
